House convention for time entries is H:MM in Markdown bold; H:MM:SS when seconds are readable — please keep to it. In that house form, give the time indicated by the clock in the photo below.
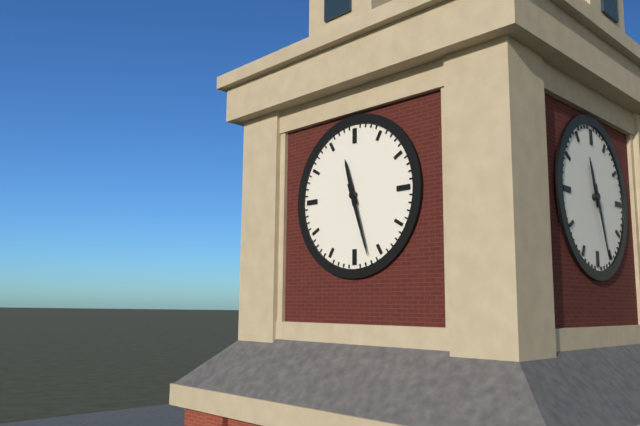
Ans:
**11:27**
